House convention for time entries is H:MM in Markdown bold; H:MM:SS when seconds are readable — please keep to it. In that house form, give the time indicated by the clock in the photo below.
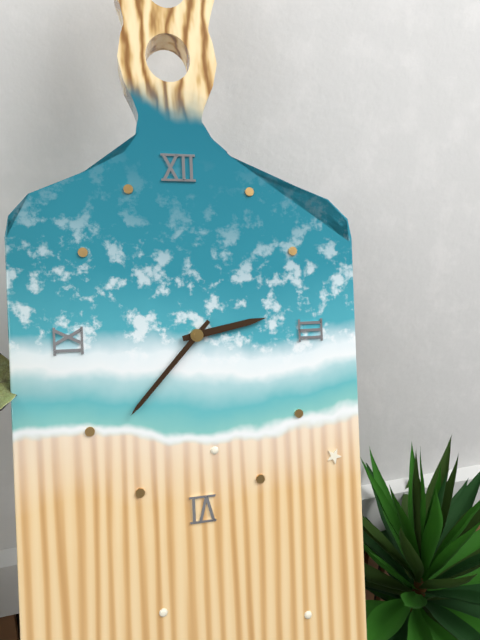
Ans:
**2:37**
